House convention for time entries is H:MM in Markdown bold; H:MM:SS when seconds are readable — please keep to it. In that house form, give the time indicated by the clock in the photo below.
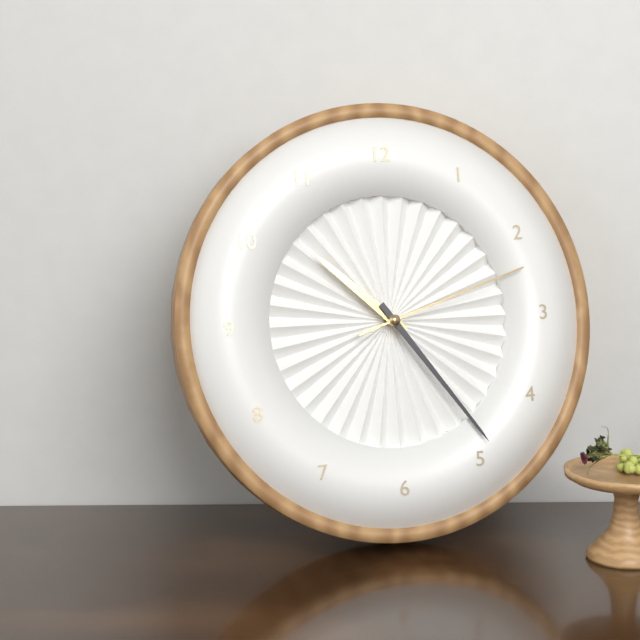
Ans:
**10:24:12**
